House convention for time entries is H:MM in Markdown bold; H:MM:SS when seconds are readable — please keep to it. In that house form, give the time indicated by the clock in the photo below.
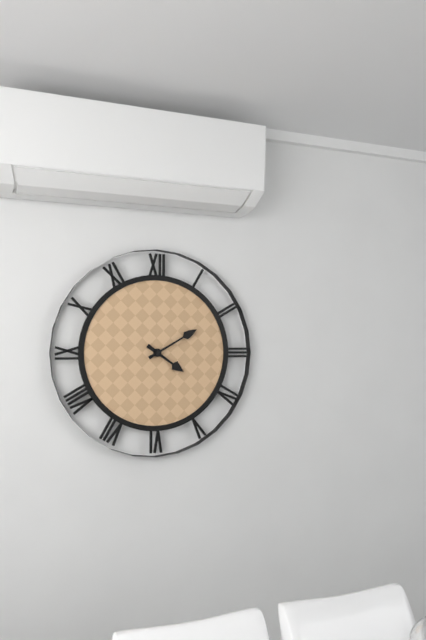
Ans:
**4:10**
